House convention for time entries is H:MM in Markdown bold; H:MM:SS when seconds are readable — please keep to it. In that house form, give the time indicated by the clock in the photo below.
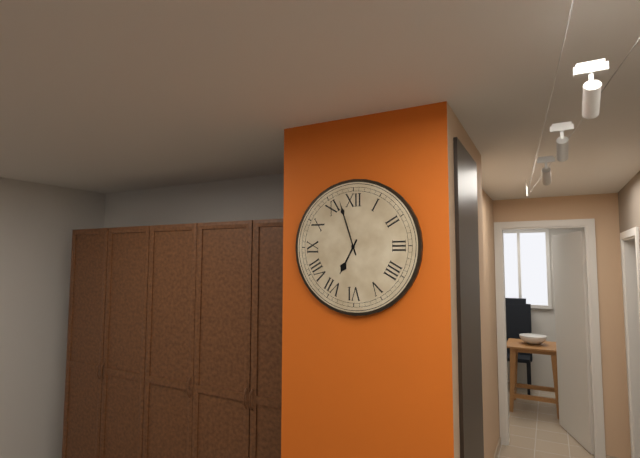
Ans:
**6:57**
